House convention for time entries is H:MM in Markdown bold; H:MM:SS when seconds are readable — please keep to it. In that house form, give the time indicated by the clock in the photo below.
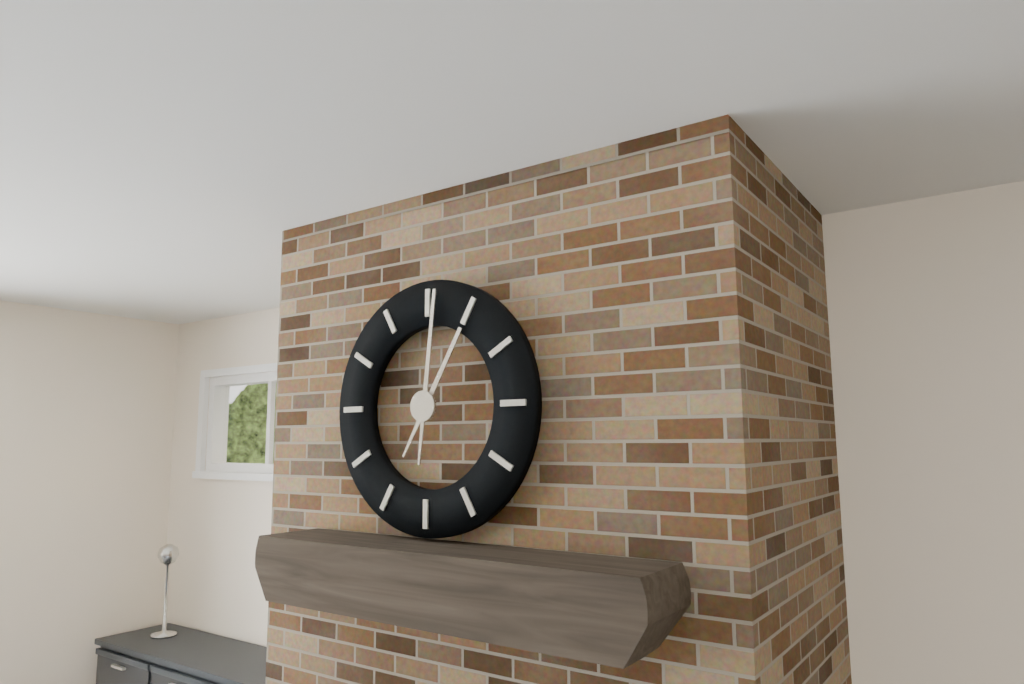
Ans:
**1:01**
